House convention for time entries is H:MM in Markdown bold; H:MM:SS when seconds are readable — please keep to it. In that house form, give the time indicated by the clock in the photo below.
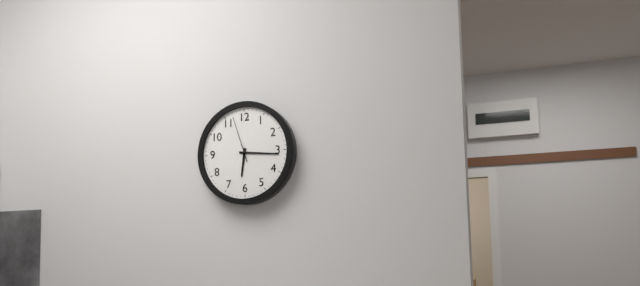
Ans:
**6:16**
